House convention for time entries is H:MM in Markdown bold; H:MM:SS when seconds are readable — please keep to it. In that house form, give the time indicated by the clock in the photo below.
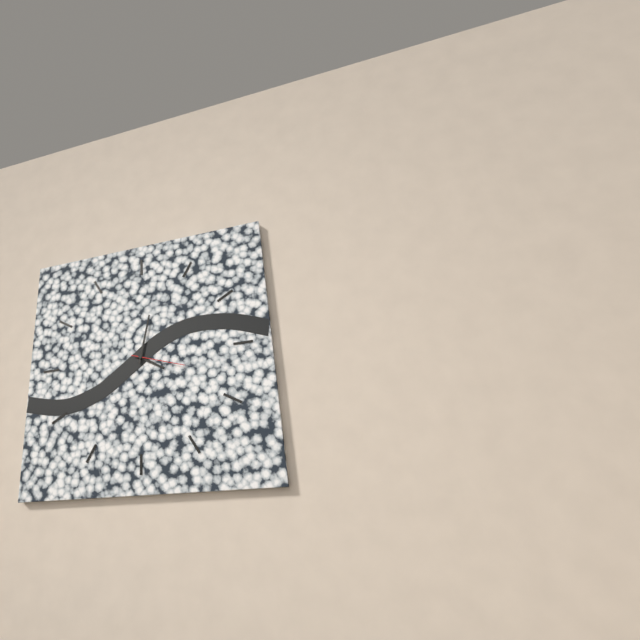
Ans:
**4:02:18**
